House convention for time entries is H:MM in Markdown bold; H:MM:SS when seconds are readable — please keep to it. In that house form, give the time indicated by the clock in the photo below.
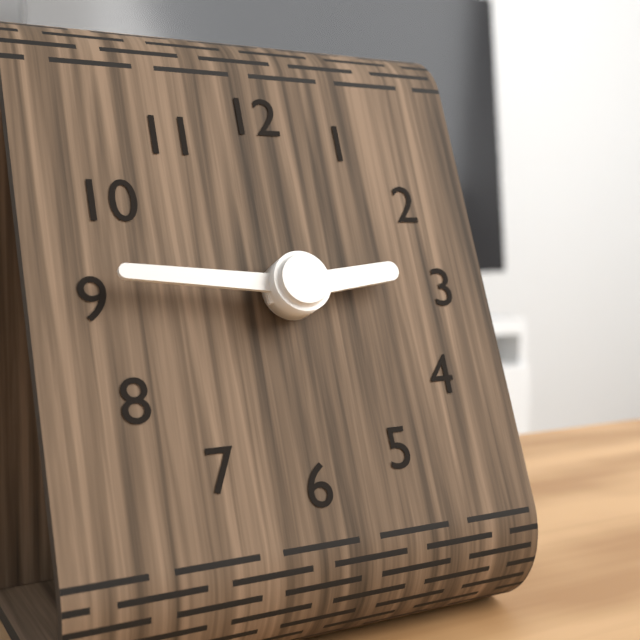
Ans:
**2:46**
